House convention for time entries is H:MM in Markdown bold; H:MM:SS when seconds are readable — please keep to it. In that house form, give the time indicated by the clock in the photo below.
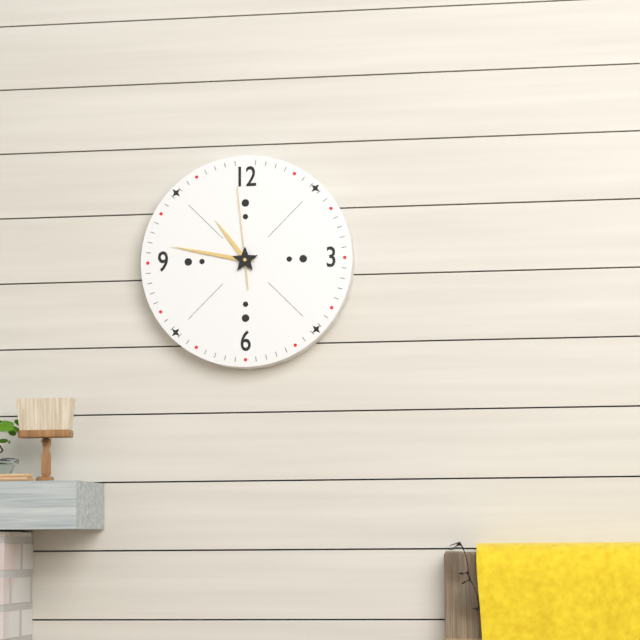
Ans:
**10:47:59**
